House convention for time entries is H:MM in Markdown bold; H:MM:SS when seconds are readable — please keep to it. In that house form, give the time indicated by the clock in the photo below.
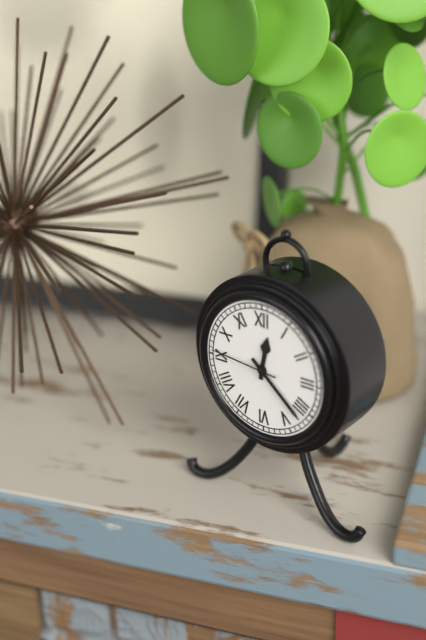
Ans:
**12:22:46**
